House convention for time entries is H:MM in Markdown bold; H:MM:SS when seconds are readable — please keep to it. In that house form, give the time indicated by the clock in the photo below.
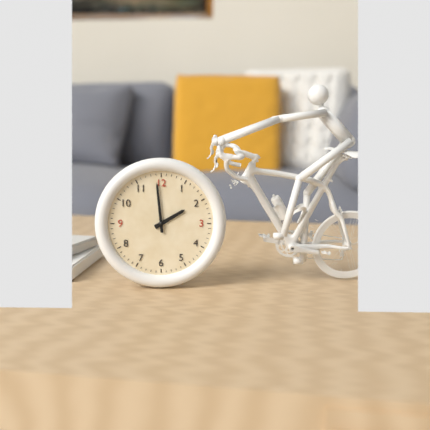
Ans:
**1:59**
